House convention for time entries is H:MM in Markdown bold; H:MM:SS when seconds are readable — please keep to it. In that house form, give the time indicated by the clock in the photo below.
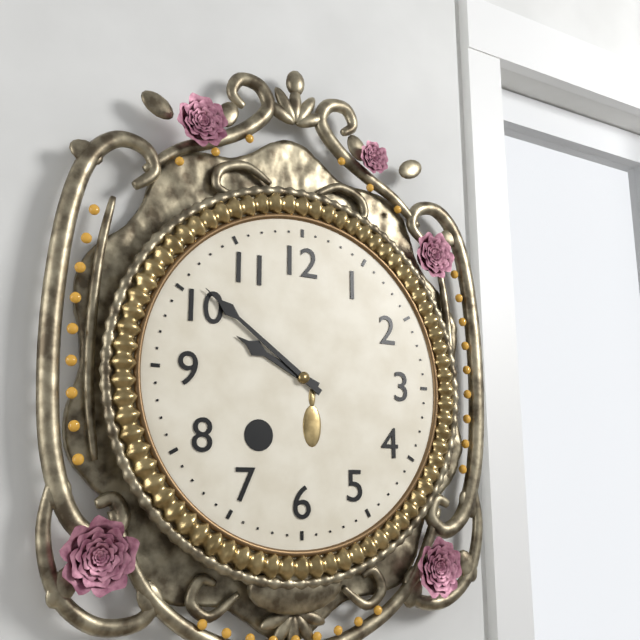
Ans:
**9:51**
